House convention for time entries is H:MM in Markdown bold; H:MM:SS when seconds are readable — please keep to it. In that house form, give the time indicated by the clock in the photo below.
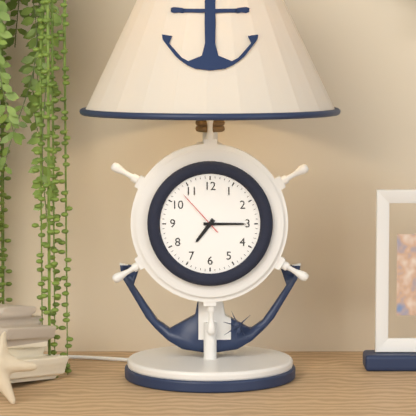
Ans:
**7:15:53**
